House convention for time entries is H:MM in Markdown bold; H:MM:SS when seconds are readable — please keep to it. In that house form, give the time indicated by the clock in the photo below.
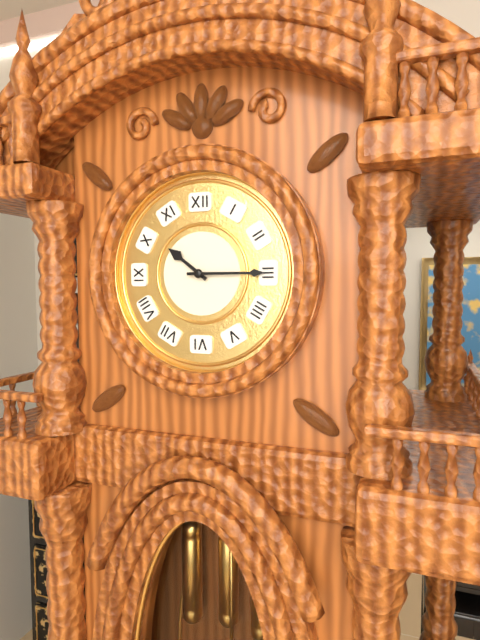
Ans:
**10:15**
